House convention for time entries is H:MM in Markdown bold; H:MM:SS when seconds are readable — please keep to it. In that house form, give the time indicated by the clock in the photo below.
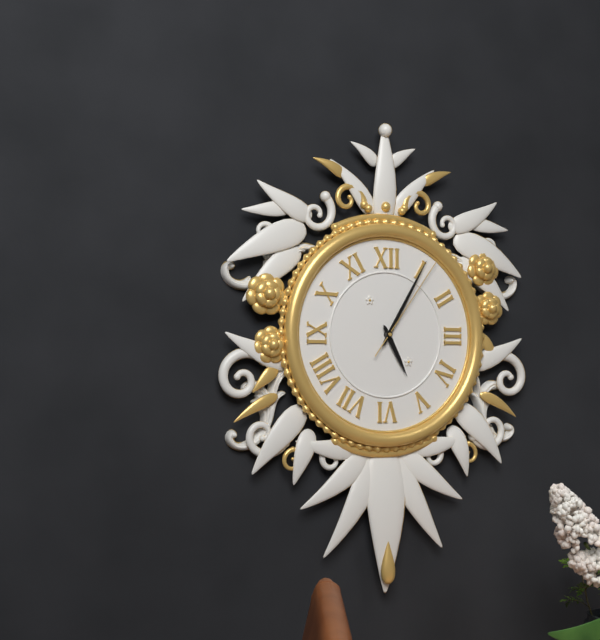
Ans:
**5:05:06**
